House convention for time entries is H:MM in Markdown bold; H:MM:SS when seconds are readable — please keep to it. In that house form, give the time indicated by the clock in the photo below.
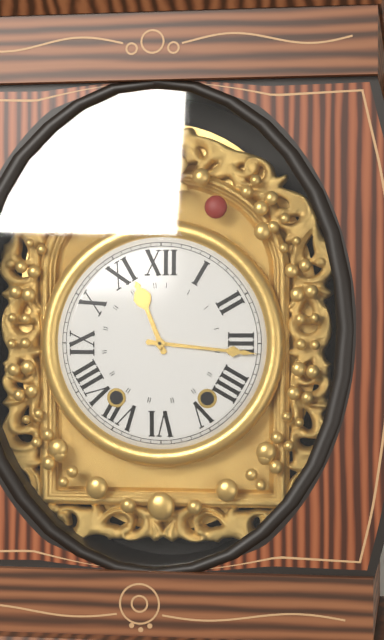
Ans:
**11:16**
